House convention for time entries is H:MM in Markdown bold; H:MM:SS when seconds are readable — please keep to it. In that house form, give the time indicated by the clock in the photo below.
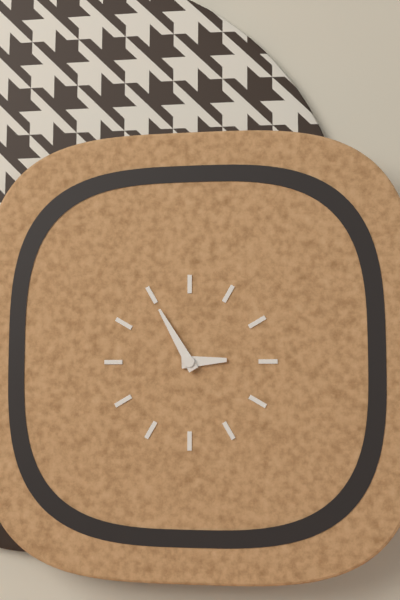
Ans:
**2:55**
